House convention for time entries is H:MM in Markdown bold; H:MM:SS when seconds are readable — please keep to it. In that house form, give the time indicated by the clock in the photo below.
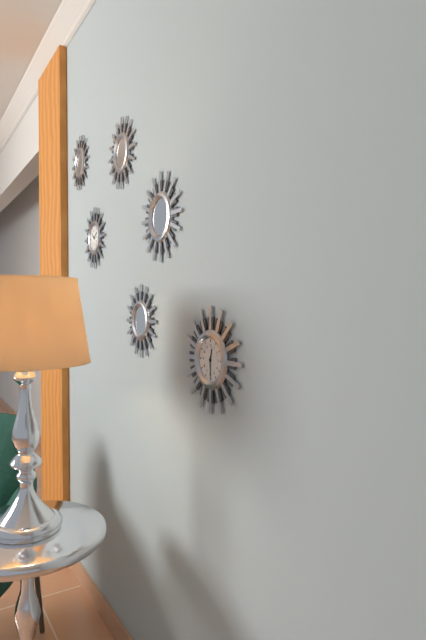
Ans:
**12:30**
